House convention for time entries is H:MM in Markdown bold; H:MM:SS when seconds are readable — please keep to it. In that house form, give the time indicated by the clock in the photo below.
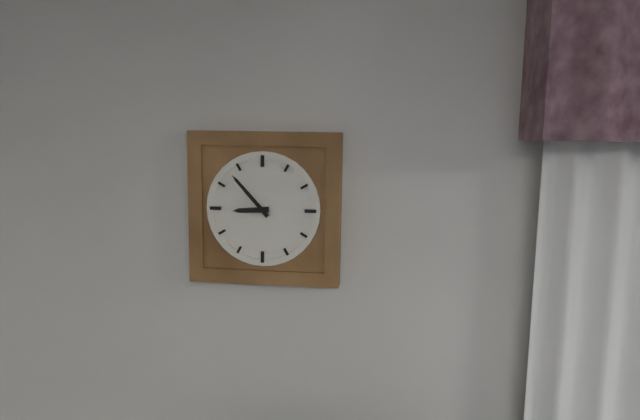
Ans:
**8:53**
